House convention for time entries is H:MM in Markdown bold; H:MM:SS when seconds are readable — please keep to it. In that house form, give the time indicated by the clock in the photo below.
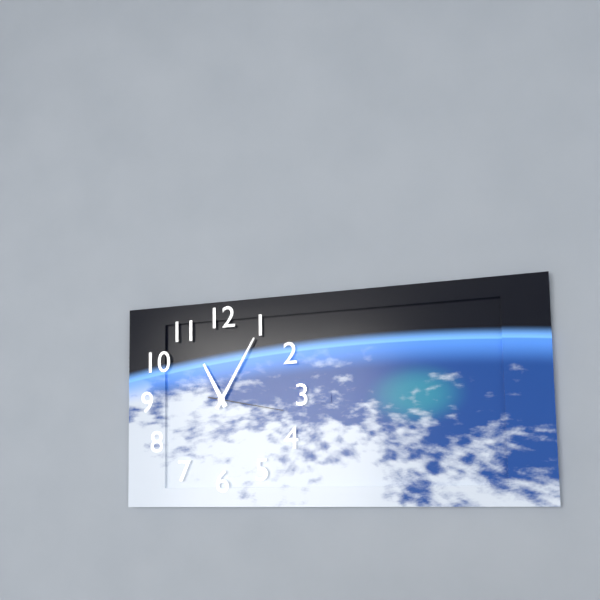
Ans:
**11:05:17**
